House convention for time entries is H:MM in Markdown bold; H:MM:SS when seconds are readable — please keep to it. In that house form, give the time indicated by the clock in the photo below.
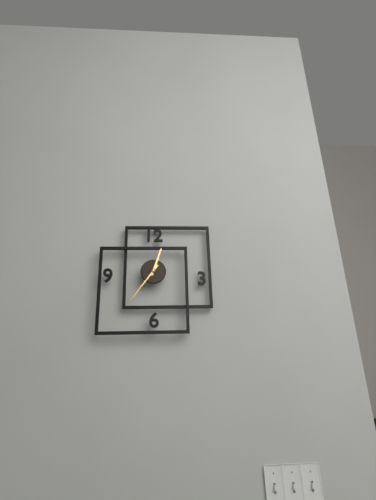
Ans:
**12:36**
